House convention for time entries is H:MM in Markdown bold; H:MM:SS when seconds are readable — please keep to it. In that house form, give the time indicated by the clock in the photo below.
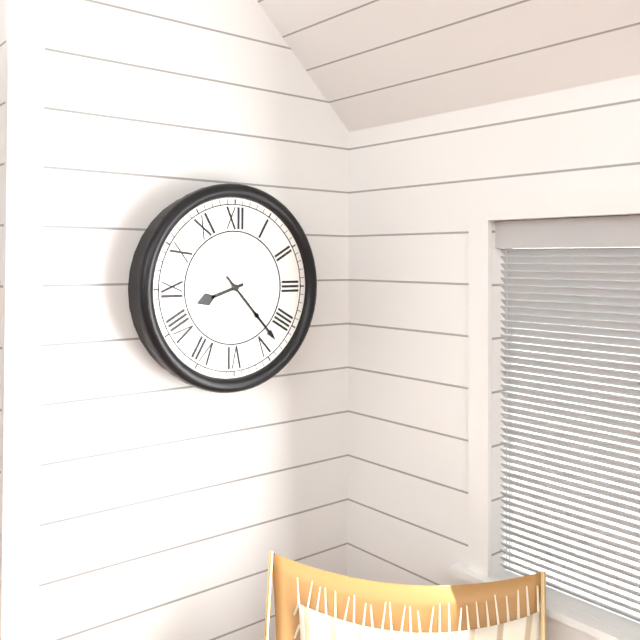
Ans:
**8:23**
